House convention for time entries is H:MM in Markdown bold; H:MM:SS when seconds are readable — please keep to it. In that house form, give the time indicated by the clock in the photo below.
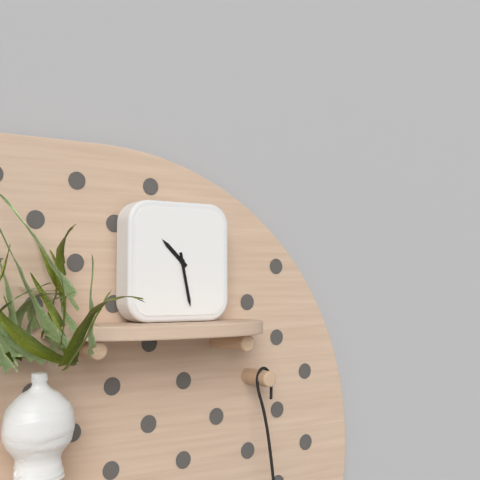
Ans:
**10:28**
